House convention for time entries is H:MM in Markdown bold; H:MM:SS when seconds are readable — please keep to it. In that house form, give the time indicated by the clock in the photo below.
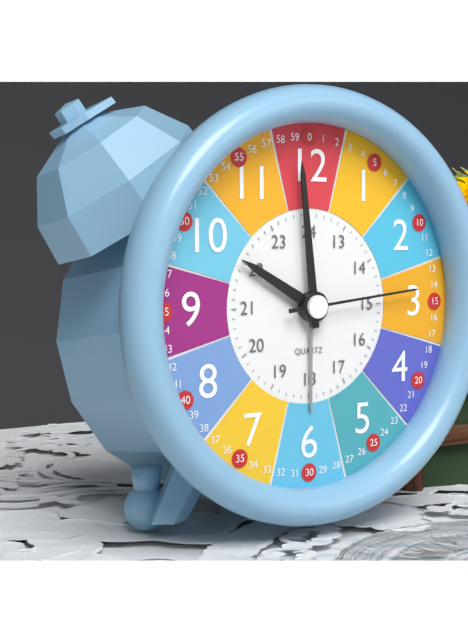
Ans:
**9:59:14**
